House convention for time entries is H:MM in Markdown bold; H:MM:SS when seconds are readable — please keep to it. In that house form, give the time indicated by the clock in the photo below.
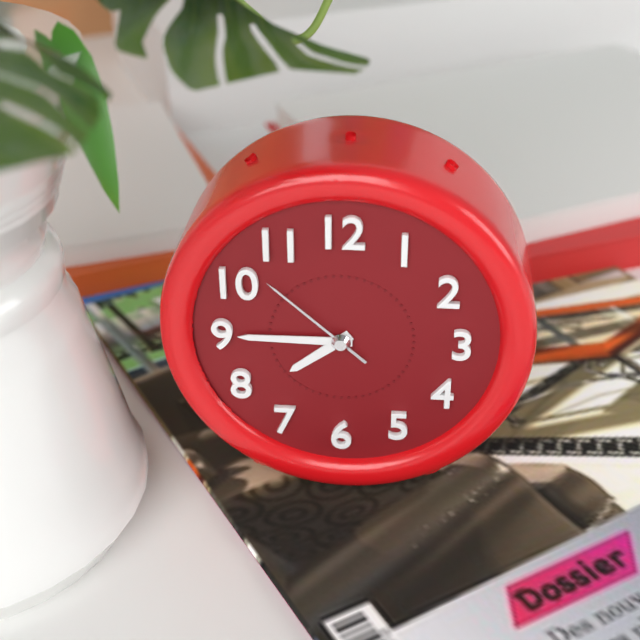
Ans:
**7:45:52**
